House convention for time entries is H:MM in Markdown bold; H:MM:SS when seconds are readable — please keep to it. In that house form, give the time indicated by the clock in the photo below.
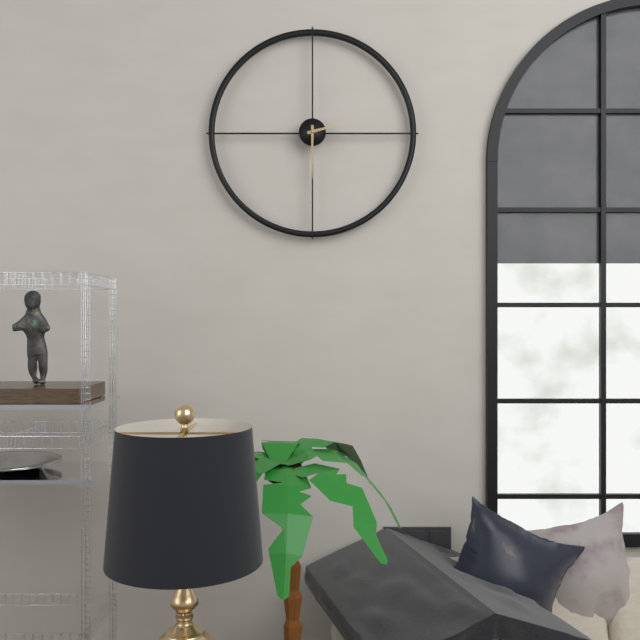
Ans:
**2:30**
